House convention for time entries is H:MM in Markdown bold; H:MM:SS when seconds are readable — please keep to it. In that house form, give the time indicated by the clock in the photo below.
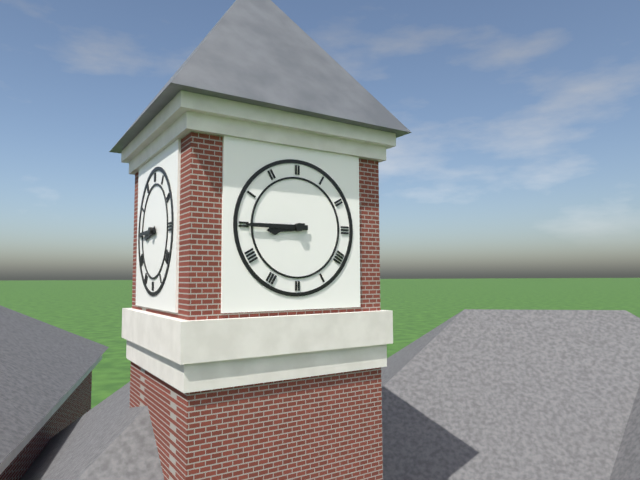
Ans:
**8:45**
